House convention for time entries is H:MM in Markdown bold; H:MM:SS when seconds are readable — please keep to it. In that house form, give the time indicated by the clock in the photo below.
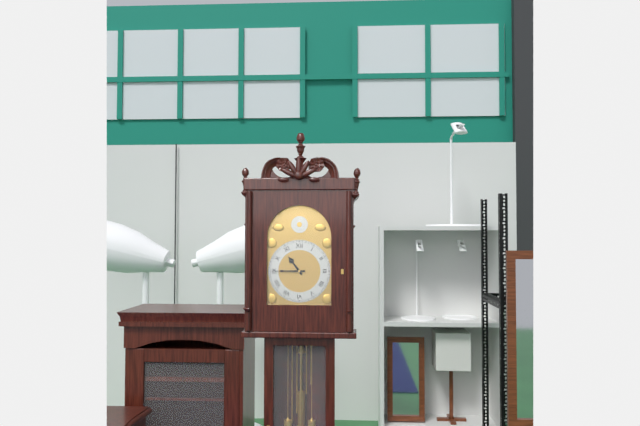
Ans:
**10:45**
